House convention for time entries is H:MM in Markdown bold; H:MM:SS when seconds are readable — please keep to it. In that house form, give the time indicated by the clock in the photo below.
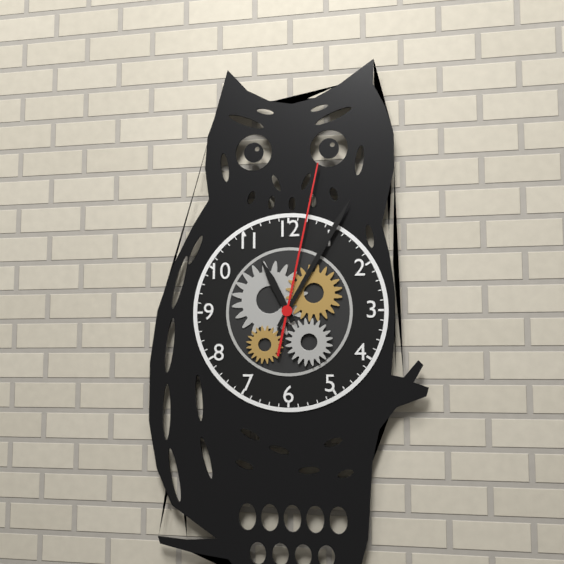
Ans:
**11:05:02**
